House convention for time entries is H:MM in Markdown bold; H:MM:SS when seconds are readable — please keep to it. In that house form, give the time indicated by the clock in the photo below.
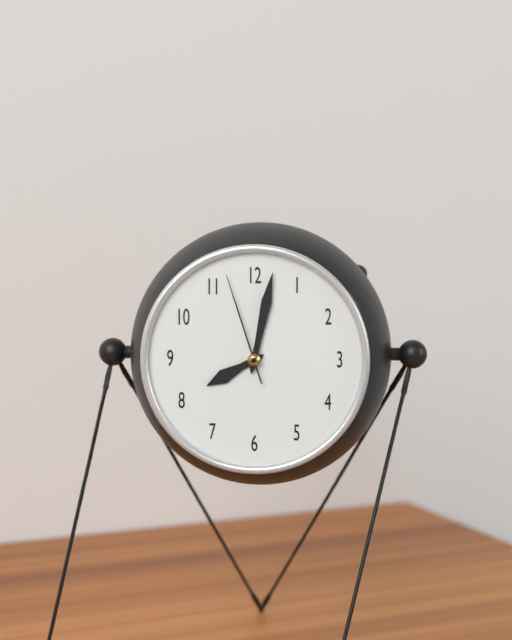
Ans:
**8:02:57**
